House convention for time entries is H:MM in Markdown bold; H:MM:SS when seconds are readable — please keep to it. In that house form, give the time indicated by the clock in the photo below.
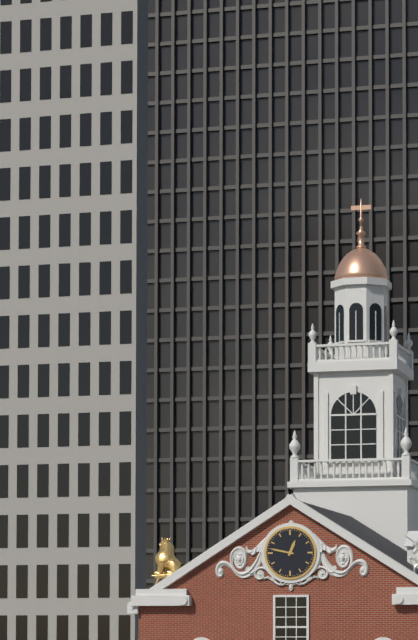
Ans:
**12:47**
